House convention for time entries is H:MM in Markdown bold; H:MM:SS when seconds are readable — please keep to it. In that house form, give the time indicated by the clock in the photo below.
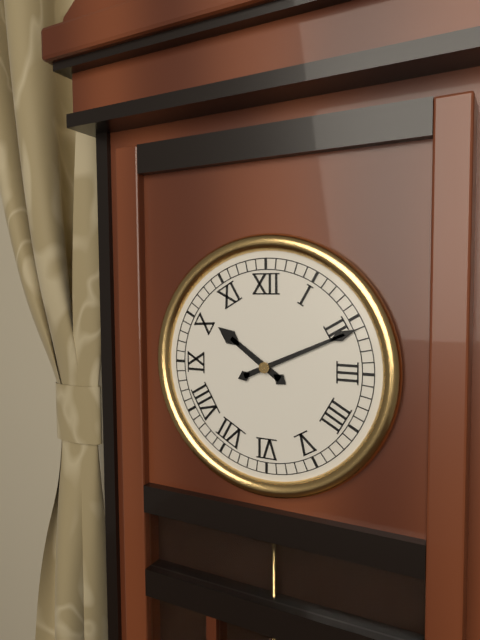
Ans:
**10:11**
